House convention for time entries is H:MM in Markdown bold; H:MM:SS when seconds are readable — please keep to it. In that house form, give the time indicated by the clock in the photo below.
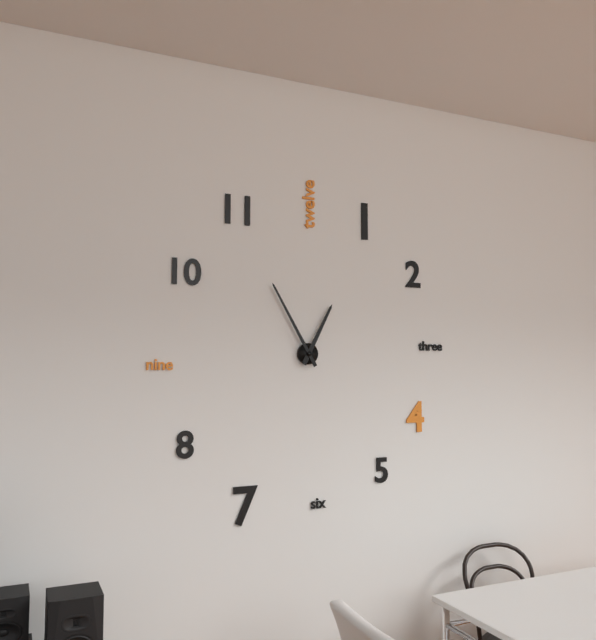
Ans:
**12:55**
